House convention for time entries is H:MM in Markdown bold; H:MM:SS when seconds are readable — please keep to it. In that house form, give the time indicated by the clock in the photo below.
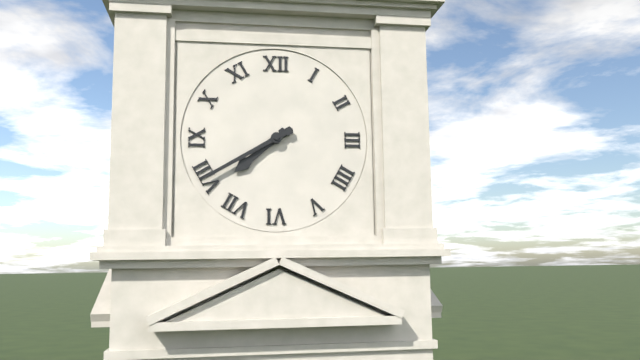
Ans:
**7:40**
